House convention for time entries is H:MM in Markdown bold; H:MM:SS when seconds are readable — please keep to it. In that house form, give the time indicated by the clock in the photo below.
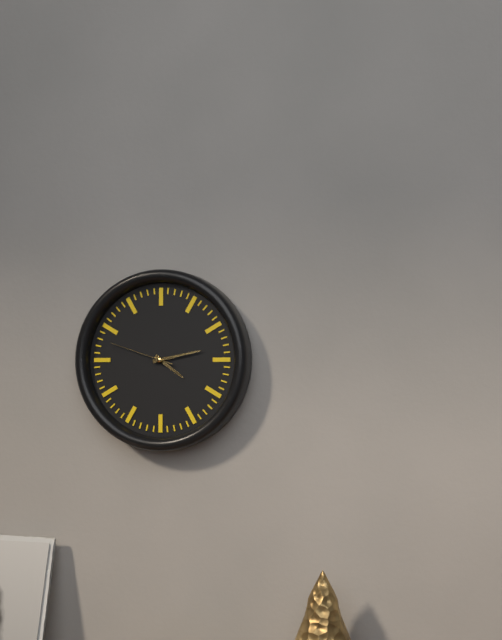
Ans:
**4:13:48**
